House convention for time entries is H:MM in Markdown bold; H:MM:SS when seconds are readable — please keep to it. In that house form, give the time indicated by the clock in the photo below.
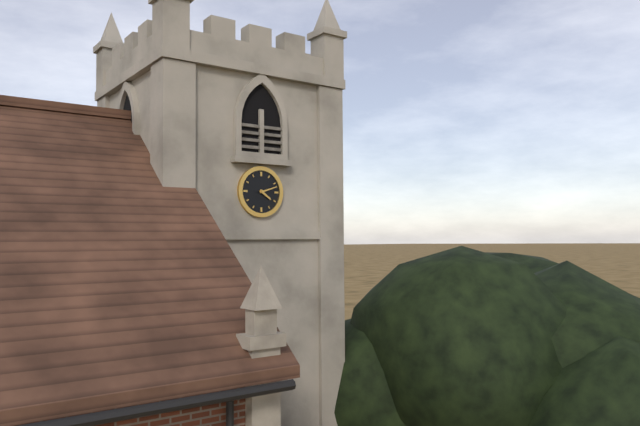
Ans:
**4:12**
